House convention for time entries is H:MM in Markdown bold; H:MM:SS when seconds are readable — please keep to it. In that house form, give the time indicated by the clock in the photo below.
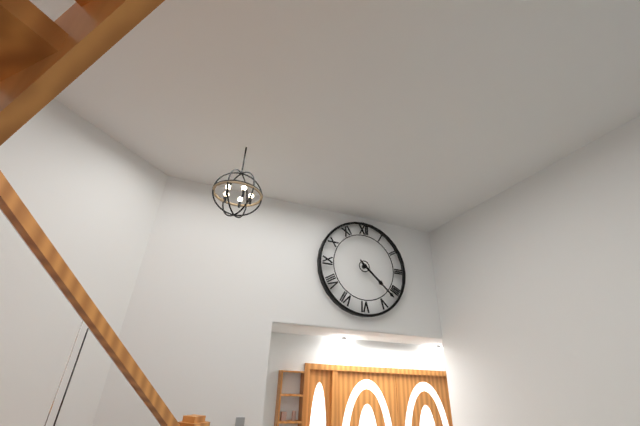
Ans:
**4:22**
